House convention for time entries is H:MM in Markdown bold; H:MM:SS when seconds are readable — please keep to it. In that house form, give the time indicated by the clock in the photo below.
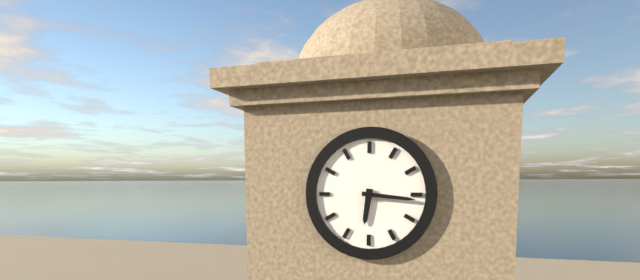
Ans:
**6:16**
